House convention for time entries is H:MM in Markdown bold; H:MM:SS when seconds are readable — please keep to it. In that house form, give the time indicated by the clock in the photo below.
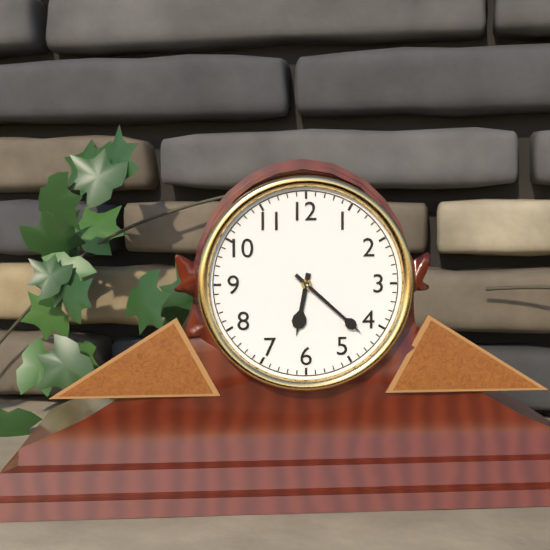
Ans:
**6:22**
